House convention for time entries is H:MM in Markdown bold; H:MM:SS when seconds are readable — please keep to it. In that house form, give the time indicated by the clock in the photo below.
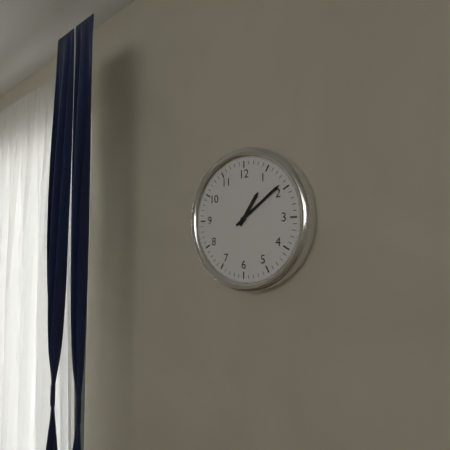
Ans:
**1:09**
